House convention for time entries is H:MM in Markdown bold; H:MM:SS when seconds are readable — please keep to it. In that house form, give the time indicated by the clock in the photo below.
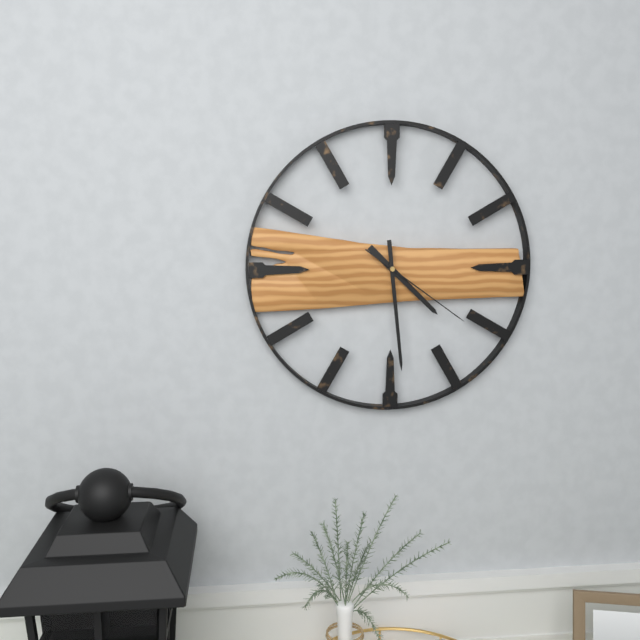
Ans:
**4:29:21**
